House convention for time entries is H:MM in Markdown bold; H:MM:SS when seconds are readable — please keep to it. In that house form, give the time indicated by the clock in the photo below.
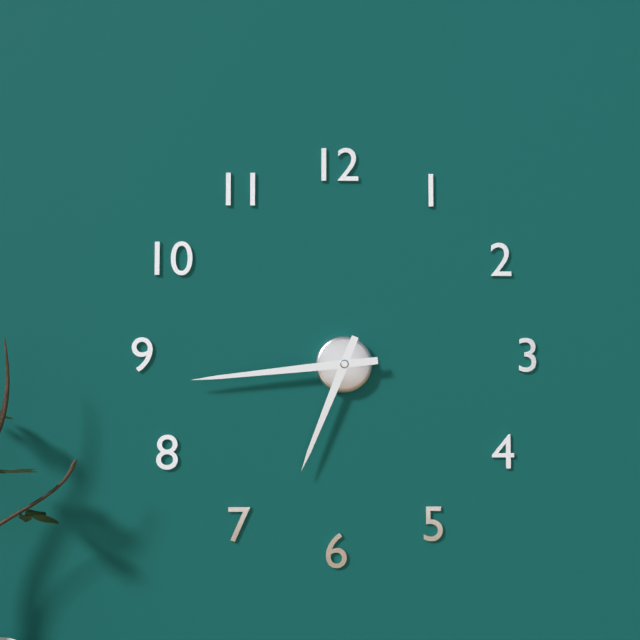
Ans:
**6:44**
